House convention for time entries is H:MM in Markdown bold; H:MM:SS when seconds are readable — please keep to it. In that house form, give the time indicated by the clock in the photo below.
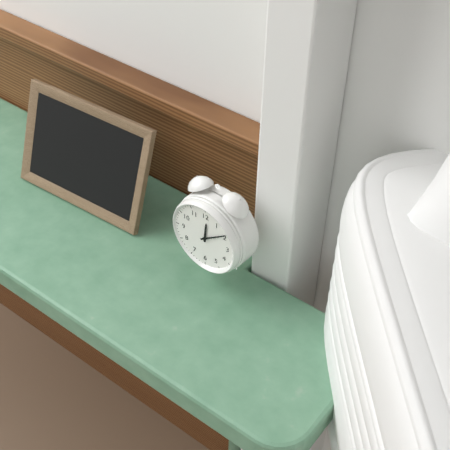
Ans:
**12:09**
